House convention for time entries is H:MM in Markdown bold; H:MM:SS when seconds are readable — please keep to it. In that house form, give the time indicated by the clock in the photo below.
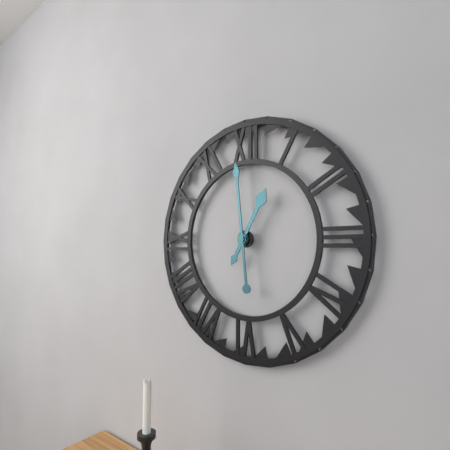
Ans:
**12:59**
